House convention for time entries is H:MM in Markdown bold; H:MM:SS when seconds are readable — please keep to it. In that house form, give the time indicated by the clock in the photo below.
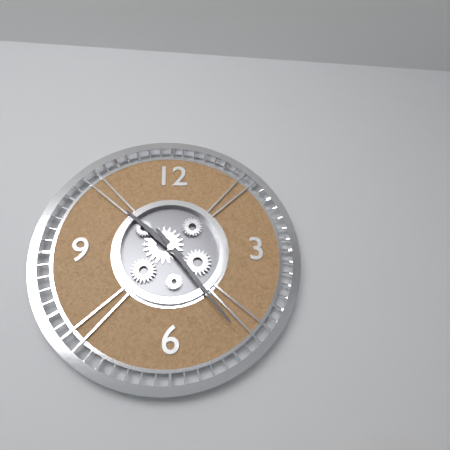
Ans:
**10:24**
